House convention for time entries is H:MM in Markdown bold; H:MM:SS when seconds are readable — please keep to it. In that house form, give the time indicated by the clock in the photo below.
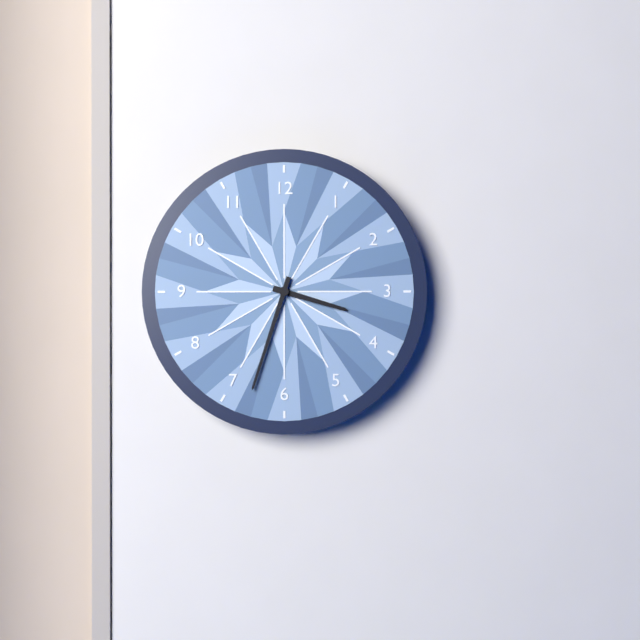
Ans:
**3:33**
